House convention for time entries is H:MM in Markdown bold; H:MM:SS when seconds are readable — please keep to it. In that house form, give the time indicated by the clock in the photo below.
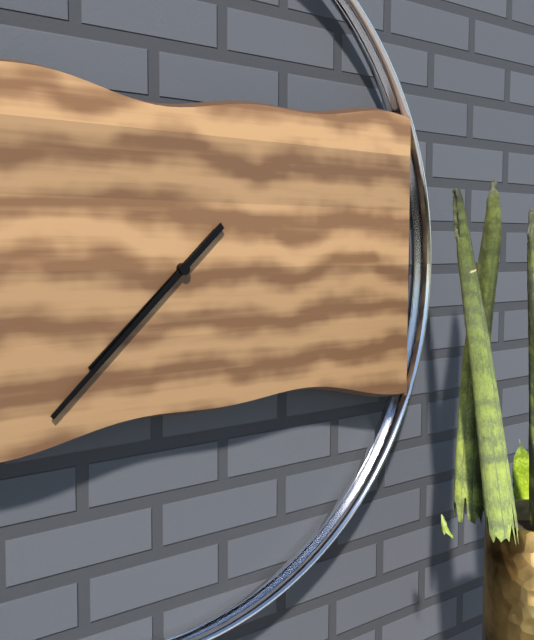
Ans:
**7:38**
